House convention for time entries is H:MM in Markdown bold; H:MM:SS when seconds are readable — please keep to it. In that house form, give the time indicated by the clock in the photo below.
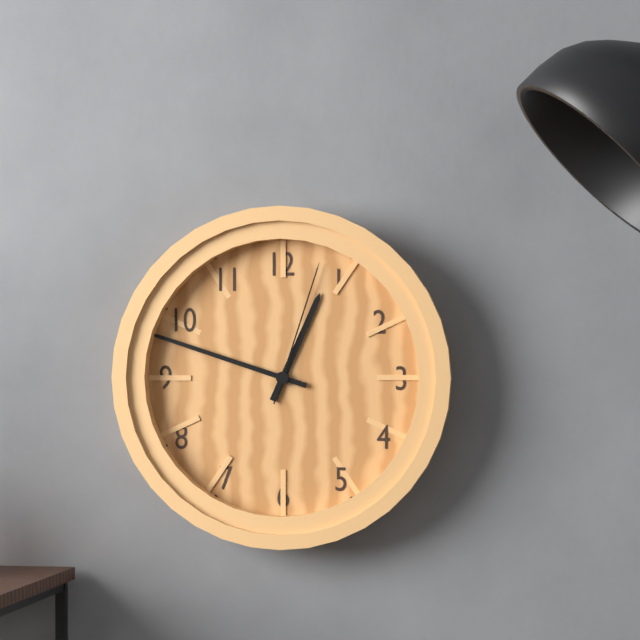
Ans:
**12:48:03**
